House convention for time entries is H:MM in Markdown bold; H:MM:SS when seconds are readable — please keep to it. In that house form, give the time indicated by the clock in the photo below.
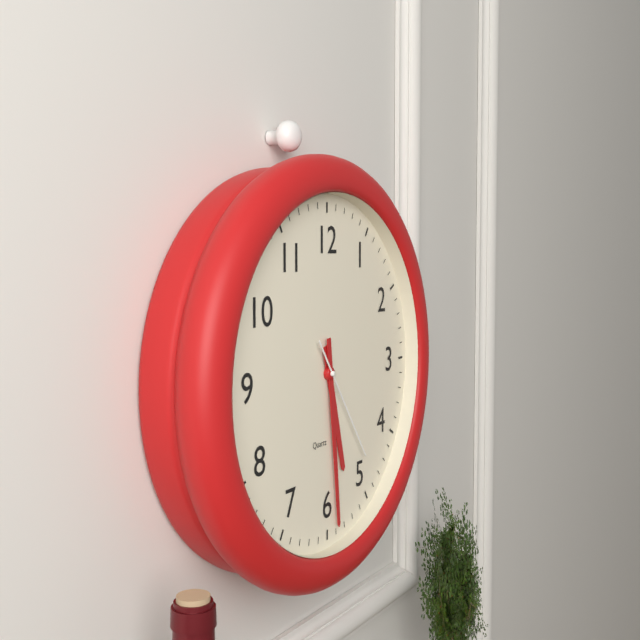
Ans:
**5:29:24**
